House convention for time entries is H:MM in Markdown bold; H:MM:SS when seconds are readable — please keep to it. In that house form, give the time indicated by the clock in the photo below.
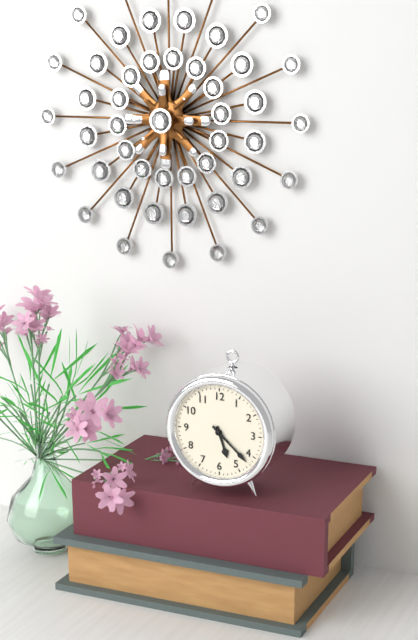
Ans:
**5:22**
